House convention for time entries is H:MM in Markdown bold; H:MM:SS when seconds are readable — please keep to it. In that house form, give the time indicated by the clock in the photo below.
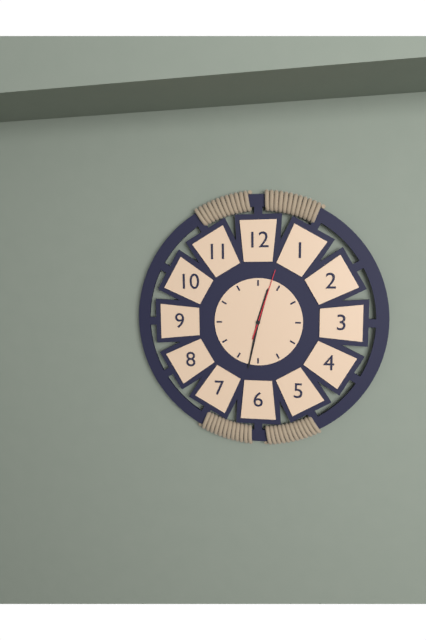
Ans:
**12:32:03**
